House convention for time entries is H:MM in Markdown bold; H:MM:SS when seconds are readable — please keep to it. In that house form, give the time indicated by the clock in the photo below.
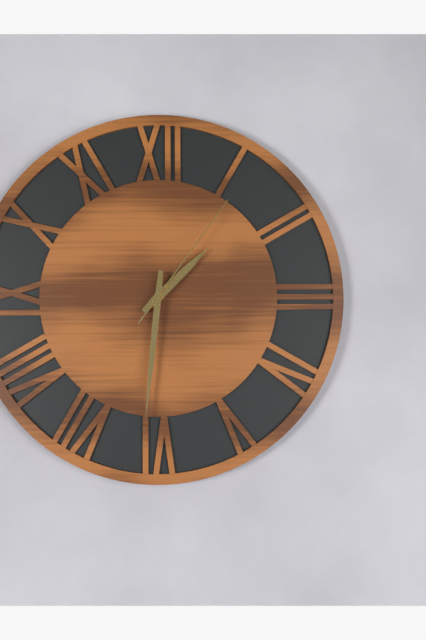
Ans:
**1:31:06**
